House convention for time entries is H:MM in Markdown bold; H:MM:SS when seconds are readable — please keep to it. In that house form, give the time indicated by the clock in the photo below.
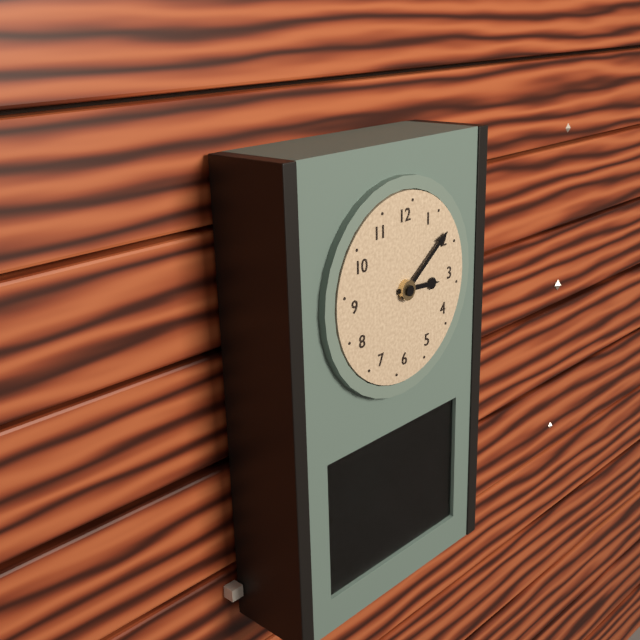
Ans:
**3:09**
